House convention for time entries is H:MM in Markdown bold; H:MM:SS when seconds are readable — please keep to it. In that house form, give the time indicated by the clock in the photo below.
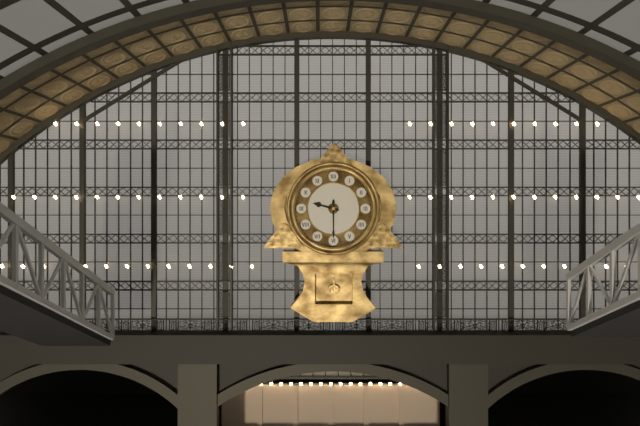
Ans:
**9:30**
